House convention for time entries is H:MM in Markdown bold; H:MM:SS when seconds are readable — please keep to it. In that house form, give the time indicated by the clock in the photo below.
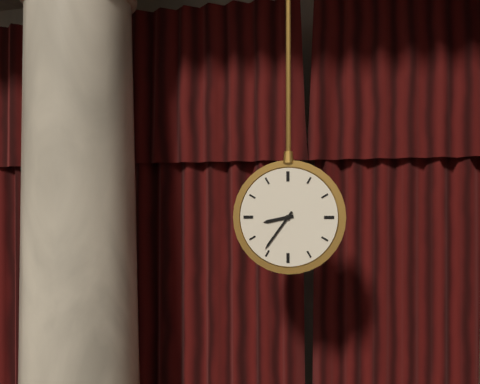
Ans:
**8:36**
